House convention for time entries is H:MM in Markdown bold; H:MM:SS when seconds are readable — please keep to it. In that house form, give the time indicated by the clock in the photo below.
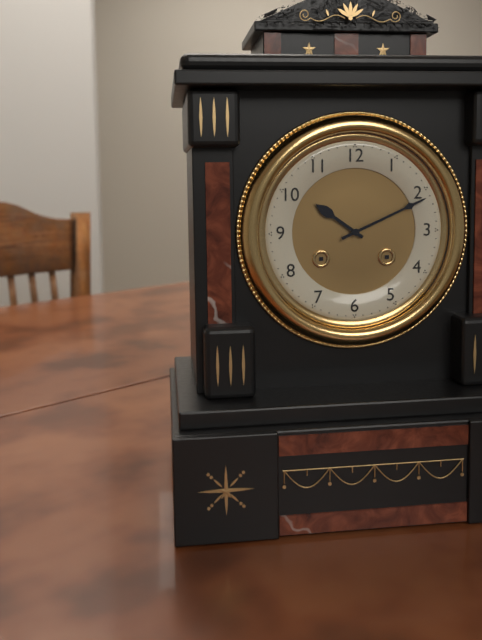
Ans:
**10:11**
